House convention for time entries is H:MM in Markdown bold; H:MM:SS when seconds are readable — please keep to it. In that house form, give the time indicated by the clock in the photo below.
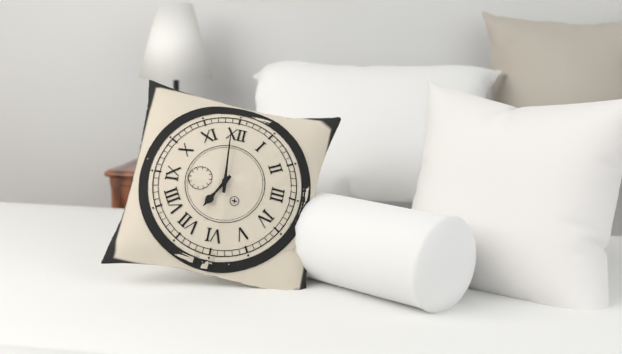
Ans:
**6:59**
